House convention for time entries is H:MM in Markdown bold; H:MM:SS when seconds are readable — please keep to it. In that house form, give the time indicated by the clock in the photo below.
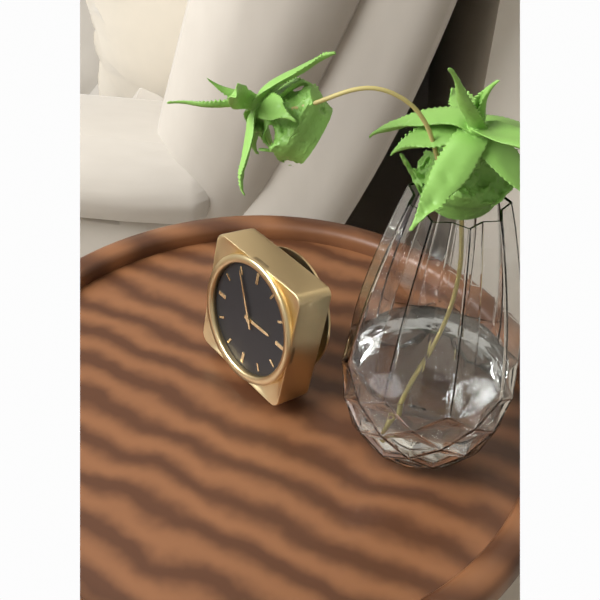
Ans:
**2:55**
